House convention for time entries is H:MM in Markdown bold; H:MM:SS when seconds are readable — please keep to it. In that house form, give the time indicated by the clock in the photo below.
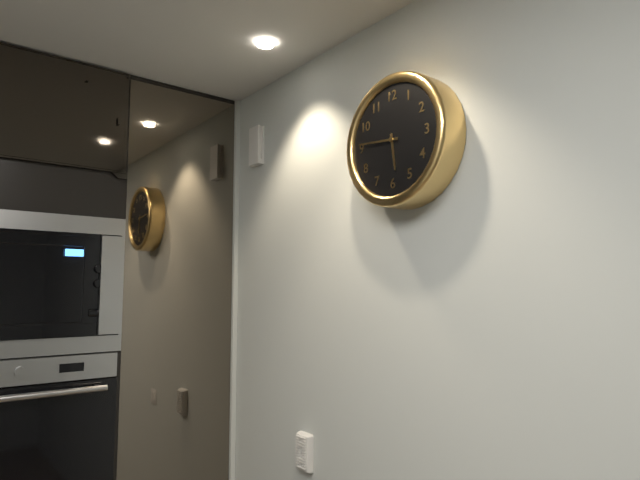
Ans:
**5:46**
